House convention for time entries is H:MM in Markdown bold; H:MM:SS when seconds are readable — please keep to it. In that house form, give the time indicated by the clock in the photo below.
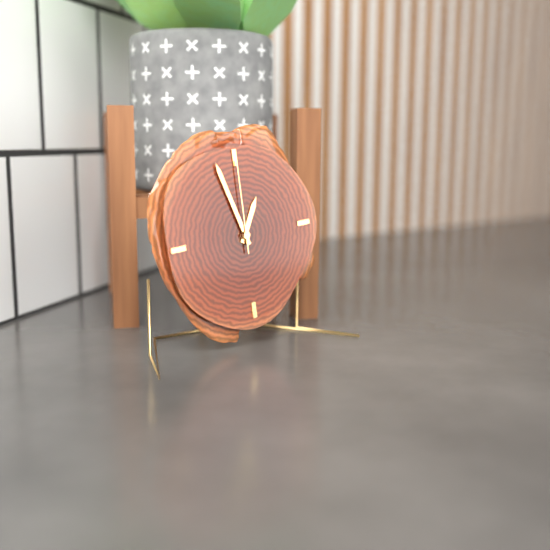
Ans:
**12:57:00**
